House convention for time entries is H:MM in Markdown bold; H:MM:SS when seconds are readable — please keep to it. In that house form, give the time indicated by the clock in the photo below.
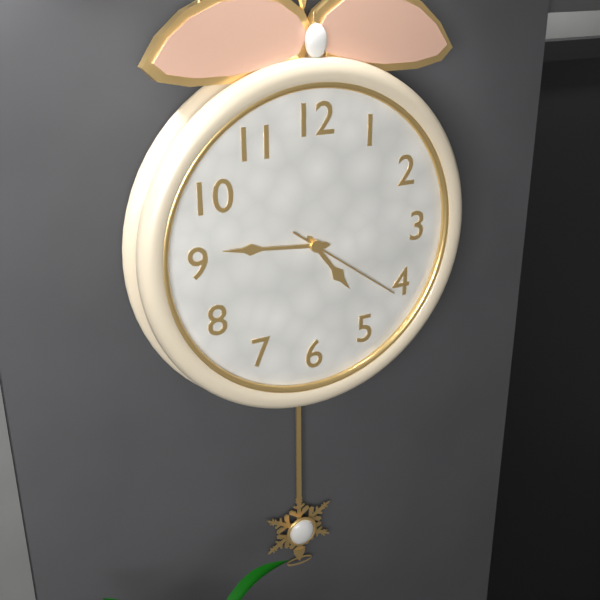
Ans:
**4:46:21**
